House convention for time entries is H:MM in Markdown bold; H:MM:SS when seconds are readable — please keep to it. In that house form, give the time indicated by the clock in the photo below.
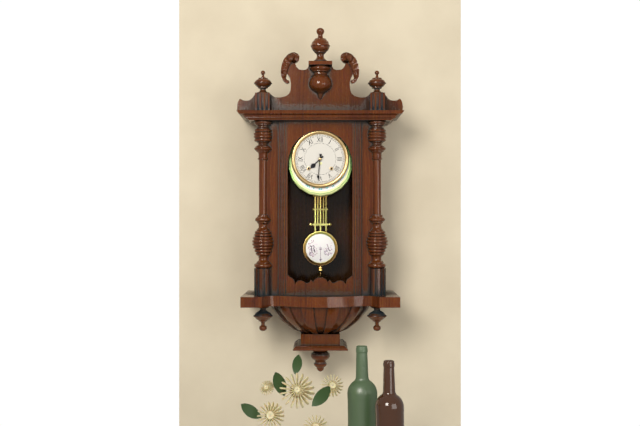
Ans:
**7:31**
